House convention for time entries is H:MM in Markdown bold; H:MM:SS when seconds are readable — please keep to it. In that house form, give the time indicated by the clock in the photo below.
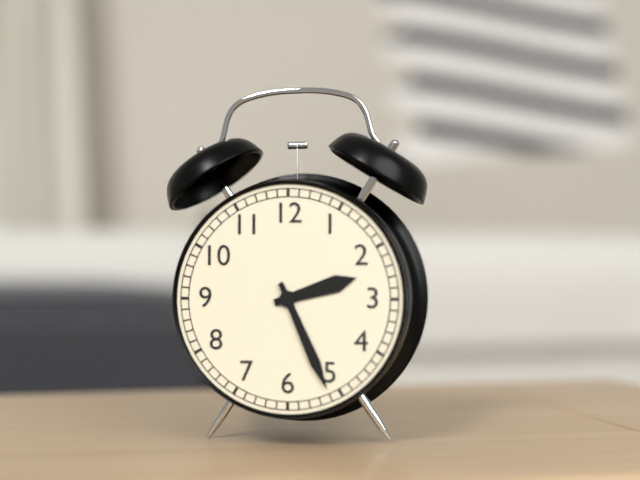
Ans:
**2:26**
